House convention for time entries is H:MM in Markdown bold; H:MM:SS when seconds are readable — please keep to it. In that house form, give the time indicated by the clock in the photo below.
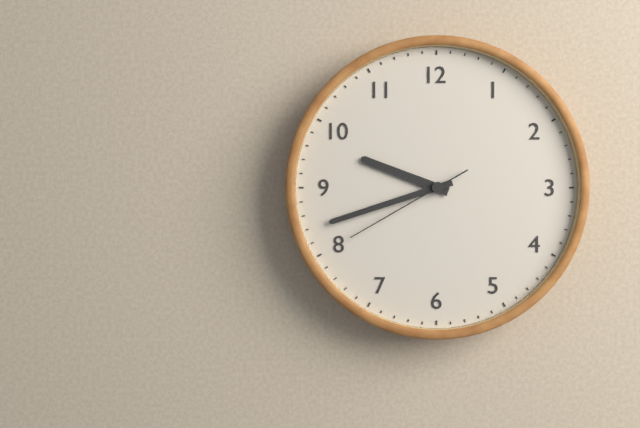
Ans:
**9:42:40**
